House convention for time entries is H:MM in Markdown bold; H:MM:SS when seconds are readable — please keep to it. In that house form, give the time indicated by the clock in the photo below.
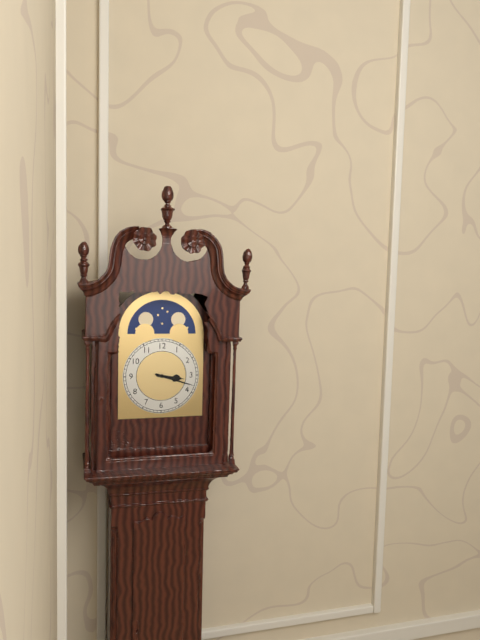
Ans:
**3:18**
